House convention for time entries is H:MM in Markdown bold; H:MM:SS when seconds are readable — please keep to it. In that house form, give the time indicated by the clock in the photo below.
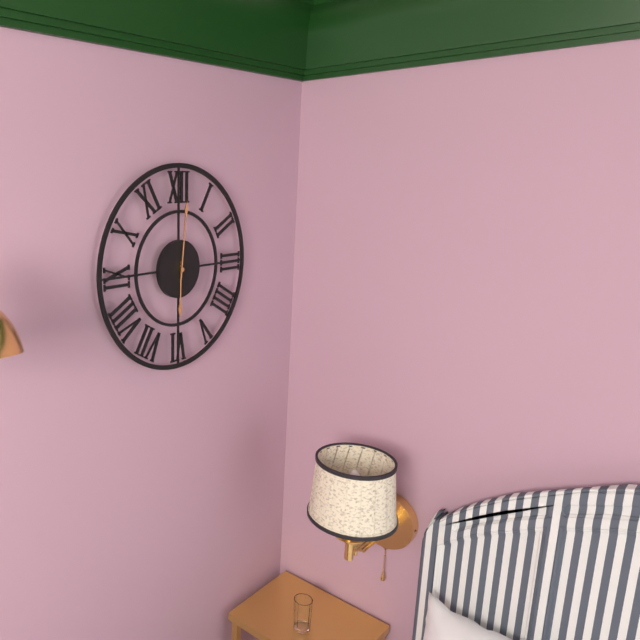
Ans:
**6:01**
